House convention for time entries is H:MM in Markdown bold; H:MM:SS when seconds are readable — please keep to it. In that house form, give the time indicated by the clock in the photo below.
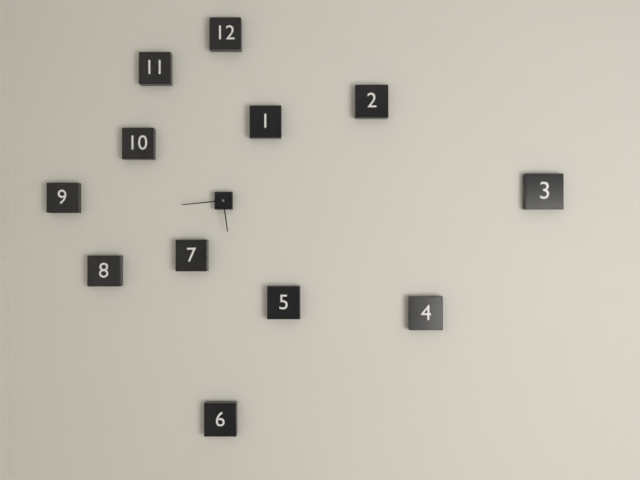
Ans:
**5:44**
